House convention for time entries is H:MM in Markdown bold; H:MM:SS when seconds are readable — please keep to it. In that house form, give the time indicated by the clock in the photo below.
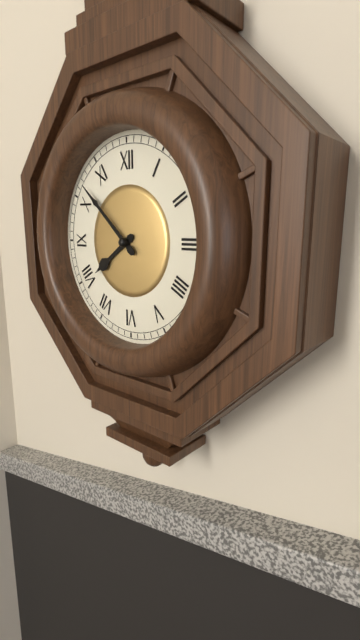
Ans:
**7:52**
